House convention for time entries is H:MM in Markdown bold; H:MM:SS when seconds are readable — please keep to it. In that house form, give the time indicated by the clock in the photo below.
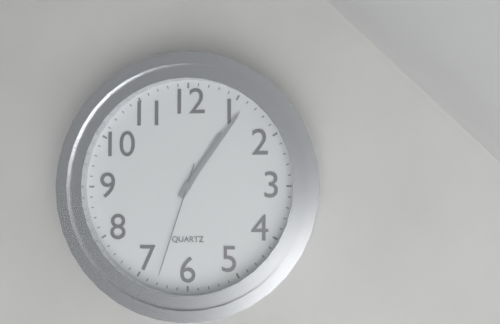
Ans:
**1:06:33**
